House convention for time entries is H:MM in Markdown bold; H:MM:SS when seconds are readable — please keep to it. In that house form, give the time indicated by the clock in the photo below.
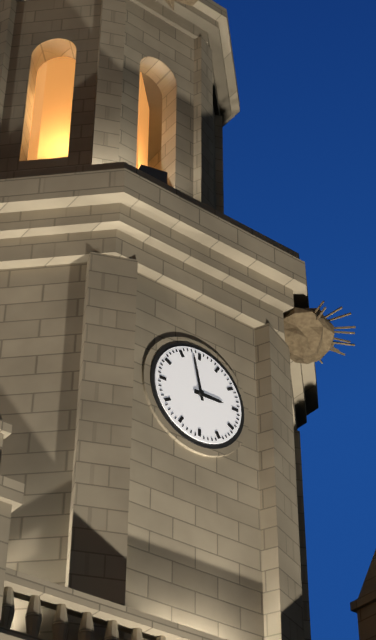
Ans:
**2:58**
